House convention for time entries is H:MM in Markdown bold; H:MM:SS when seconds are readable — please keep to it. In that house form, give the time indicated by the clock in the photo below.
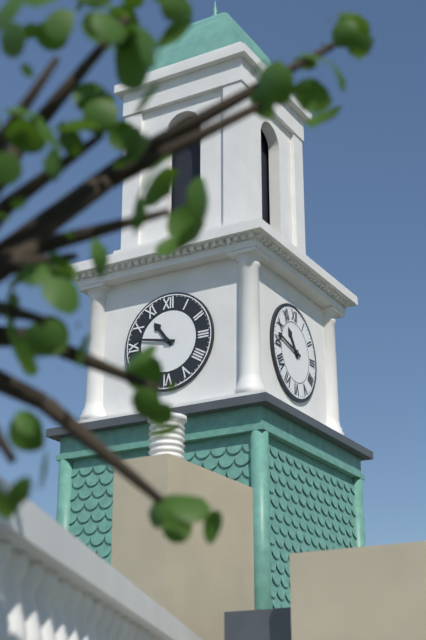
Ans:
**10:47**
